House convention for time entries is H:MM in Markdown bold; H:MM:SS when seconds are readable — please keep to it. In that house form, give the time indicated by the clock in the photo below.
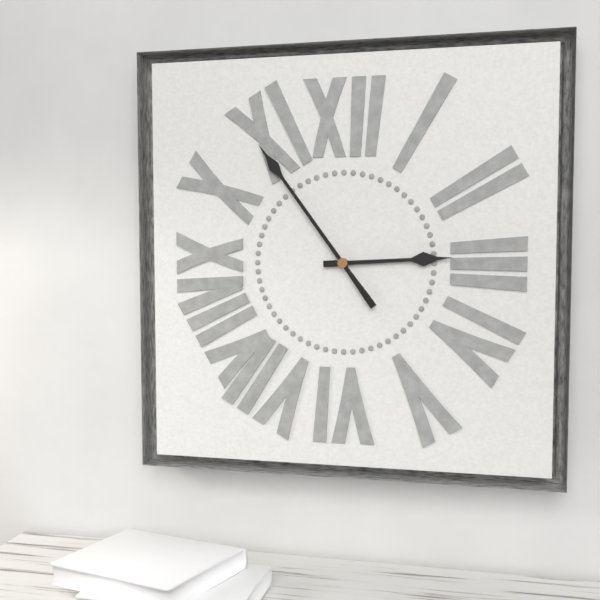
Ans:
**2:54**
